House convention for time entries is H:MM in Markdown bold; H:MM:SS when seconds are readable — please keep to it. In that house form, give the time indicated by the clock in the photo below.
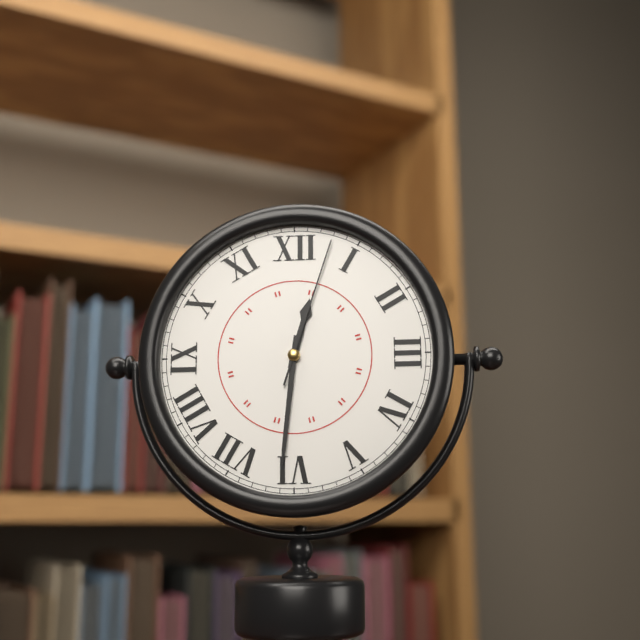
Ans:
**12:31:03**
